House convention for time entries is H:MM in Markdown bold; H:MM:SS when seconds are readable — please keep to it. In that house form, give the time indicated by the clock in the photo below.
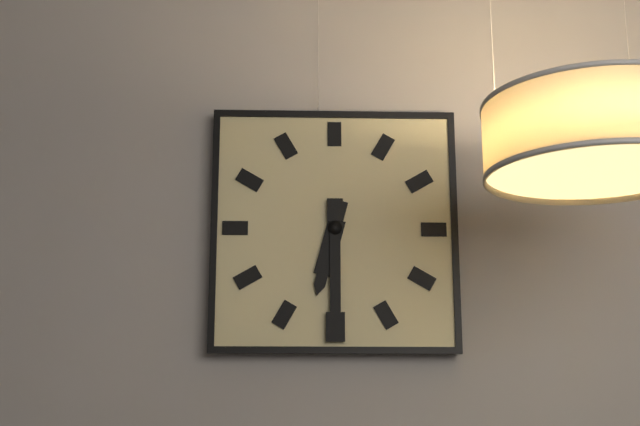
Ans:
**6:30**
